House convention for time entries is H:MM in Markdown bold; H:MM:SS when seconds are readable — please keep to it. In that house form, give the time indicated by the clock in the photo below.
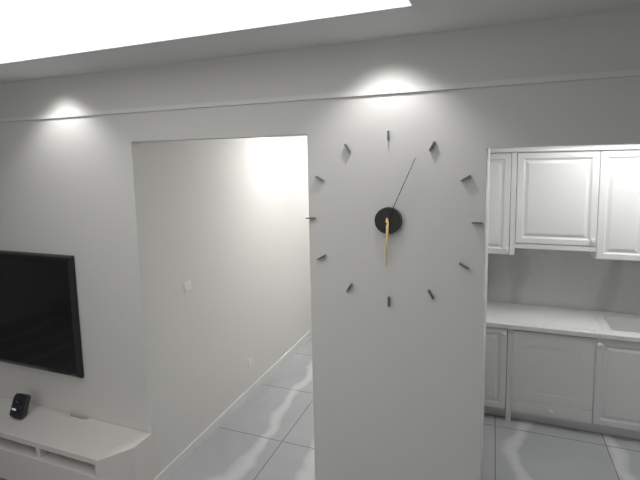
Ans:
**6:04**
